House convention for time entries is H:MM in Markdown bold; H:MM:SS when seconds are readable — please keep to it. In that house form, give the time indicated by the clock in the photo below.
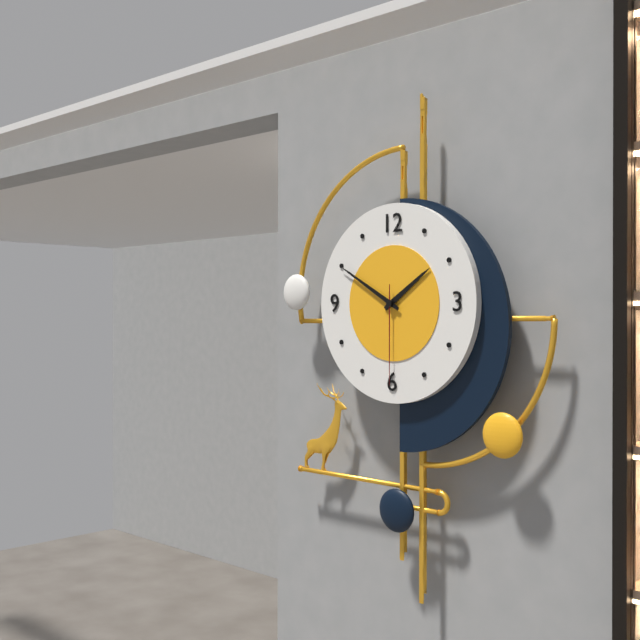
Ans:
**1:50:30**
